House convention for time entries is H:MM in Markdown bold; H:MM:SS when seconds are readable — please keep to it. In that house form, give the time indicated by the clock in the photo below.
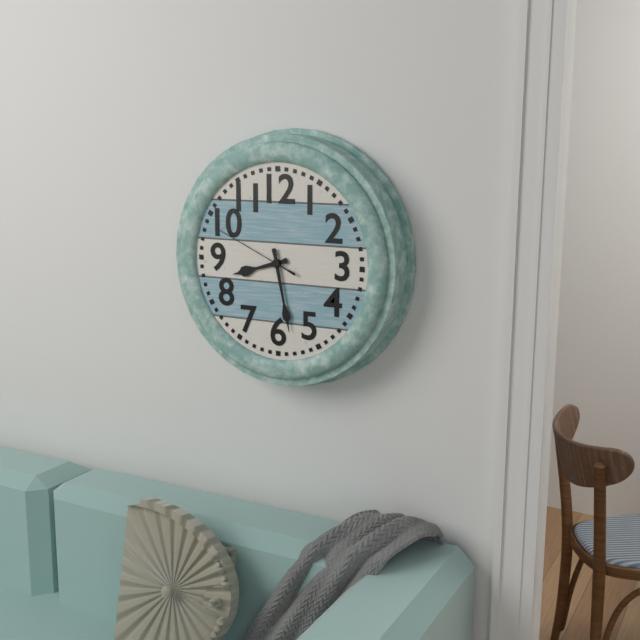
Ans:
**8:28:49**
